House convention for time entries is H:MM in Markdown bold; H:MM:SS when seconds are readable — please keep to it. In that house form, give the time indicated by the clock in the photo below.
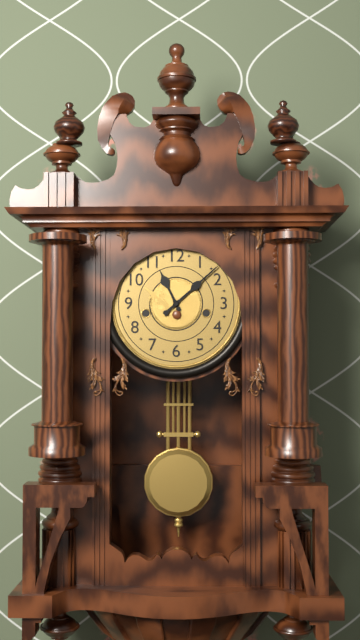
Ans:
**11:08**
